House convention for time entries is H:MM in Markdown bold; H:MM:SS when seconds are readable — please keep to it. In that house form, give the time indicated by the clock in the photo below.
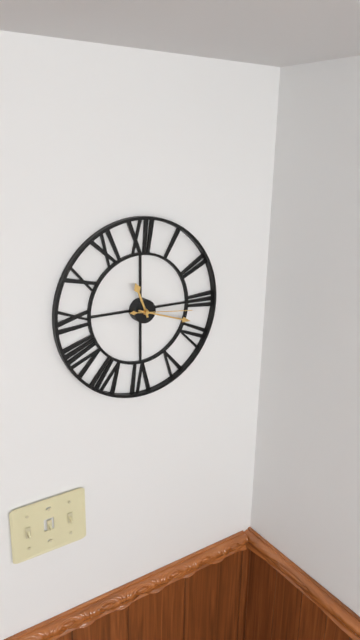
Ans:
**11:18:16**
